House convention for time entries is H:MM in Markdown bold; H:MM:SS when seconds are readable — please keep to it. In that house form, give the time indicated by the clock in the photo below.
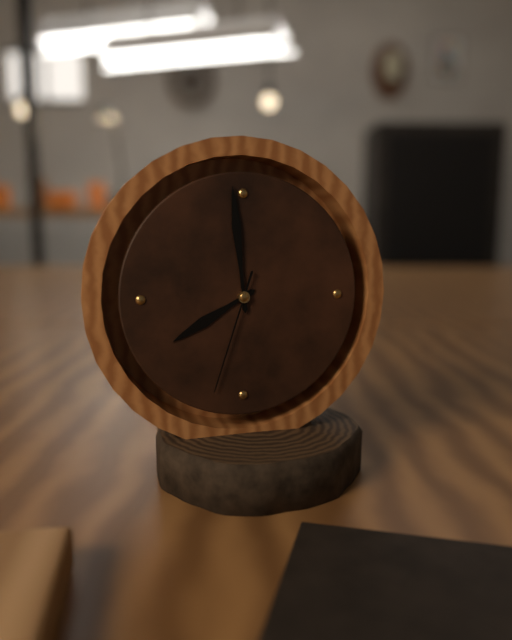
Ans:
**7:59:33**
